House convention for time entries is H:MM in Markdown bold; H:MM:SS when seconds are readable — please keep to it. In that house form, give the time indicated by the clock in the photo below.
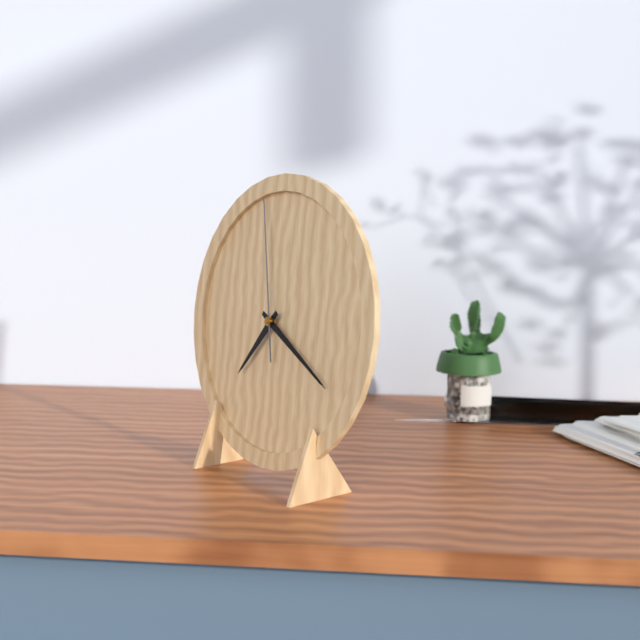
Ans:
**7:20:58**
